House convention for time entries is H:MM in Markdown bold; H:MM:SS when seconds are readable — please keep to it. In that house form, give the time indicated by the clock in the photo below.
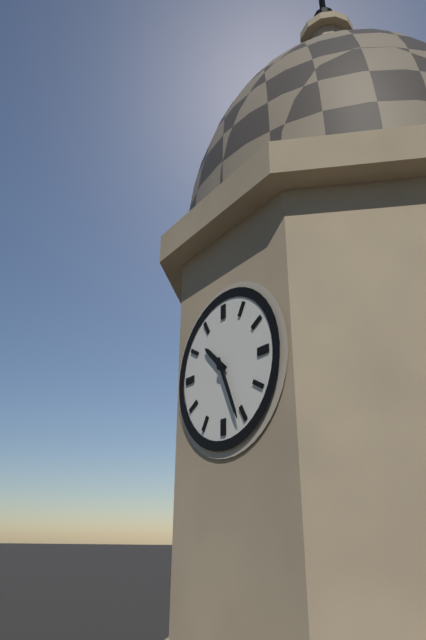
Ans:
**10:26**
